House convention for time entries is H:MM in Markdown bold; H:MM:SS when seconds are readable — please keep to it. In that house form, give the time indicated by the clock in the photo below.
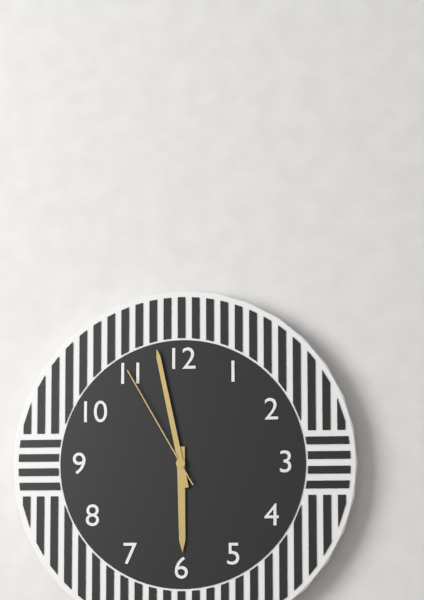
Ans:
**5:58:55**
